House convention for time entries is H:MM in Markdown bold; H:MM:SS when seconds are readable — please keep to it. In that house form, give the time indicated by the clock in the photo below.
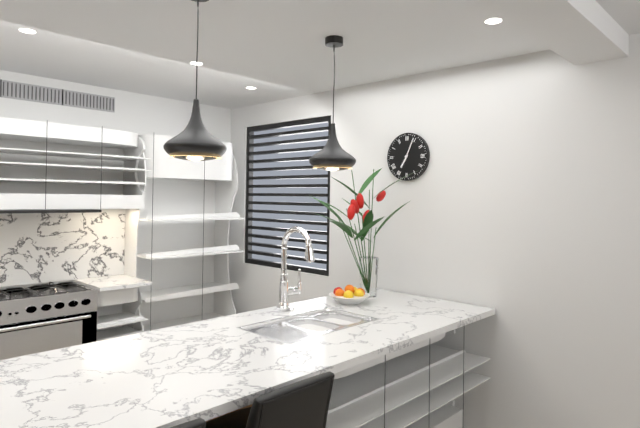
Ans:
**7:04**
